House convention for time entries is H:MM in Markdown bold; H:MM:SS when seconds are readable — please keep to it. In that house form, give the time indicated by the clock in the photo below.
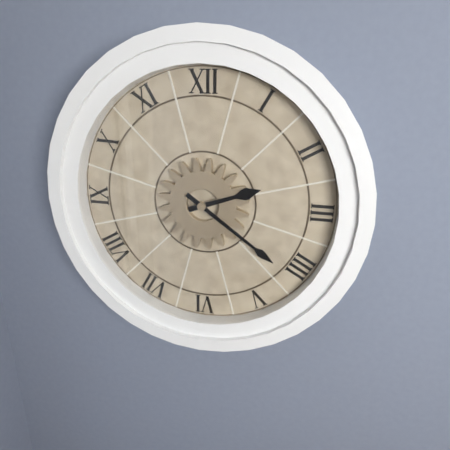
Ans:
**2:21**
